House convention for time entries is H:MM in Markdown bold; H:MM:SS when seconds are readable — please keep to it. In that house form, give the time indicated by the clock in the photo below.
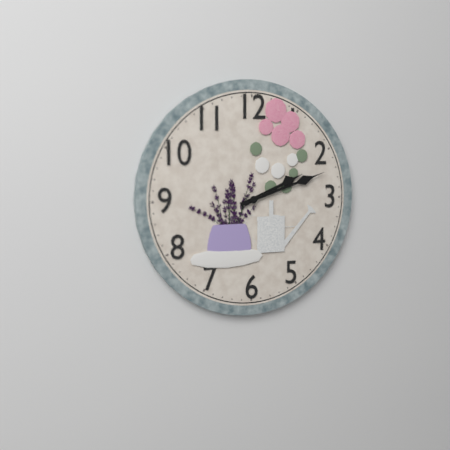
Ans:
**2:12**
